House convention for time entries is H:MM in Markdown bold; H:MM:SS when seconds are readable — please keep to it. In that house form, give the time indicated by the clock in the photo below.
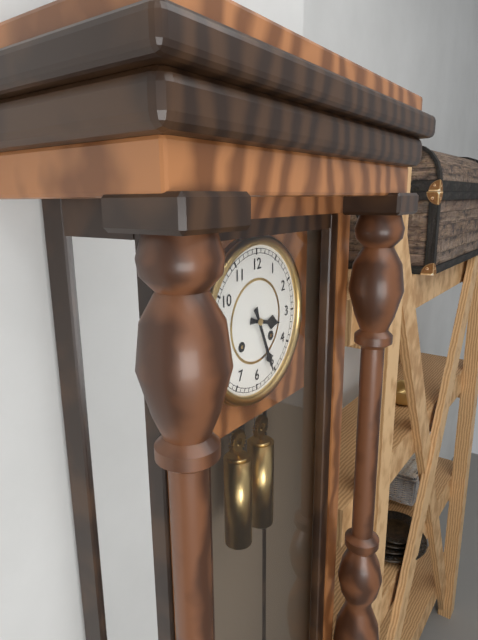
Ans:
**3:26**
